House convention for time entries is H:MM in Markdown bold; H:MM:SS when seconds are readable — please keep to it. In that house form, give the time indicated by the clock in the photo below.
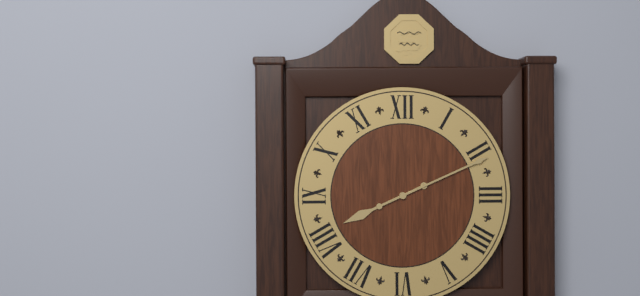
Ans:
**8:11**
